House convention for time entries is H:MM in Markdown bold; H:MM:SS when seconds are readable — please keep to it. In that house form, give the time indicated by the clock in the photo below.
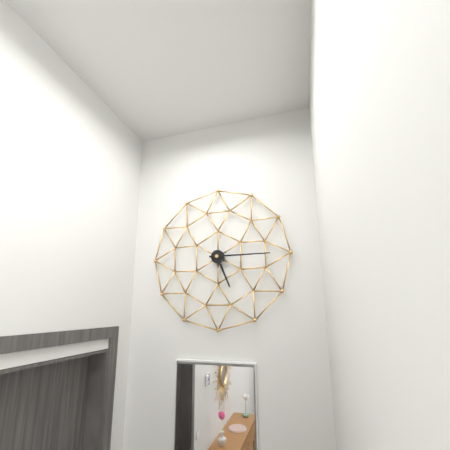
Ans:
**5:15**
